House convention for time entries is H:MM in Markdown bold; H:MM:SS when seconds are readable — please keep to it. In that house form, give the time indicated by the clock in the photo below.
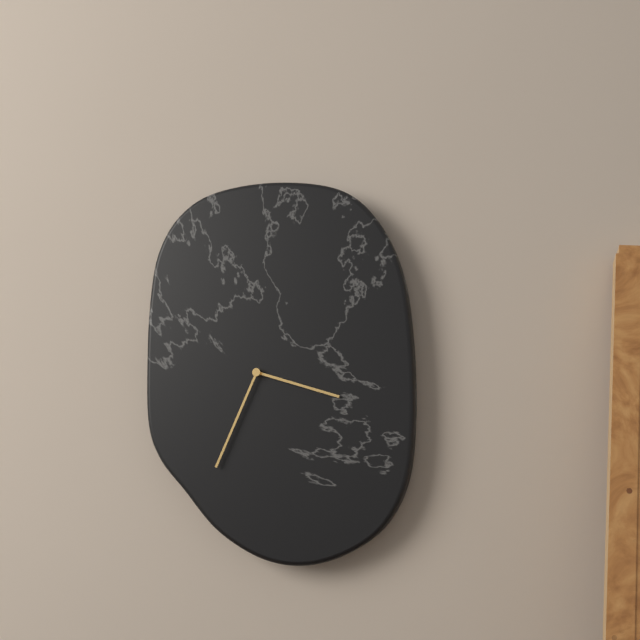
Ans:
**3:34**
